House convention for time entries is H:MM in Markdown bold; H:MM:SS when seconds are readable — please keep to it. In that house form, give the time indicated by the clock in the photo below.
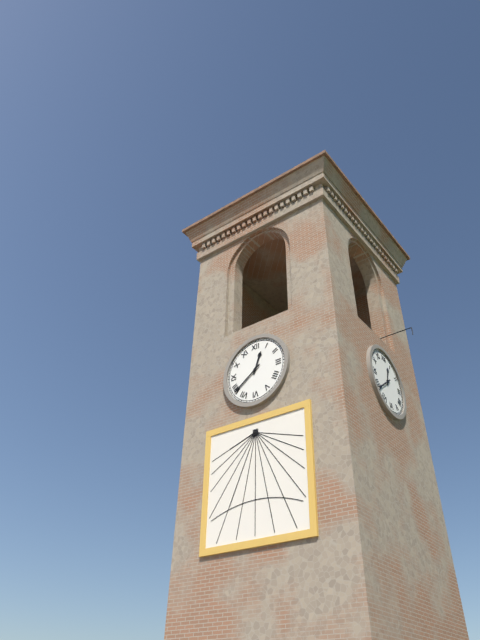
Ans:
**12:39**
